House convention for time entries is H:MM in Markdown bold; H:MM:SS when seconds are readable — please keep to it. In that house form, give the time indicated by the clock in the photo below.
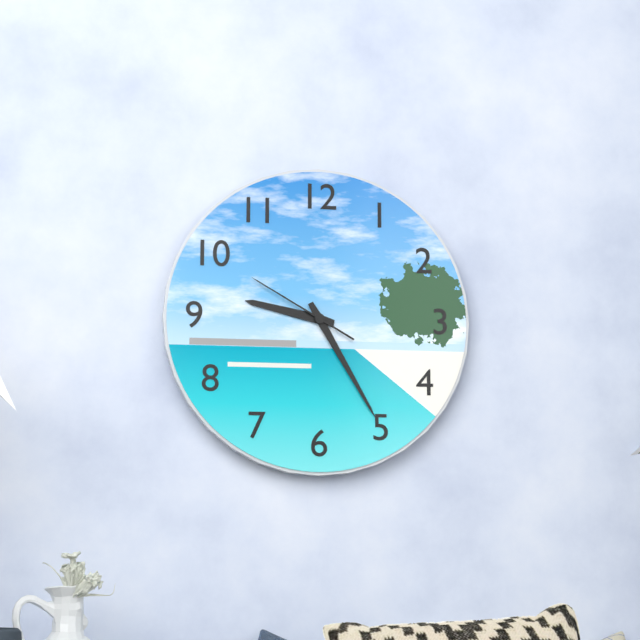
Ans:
**9:25:50**
